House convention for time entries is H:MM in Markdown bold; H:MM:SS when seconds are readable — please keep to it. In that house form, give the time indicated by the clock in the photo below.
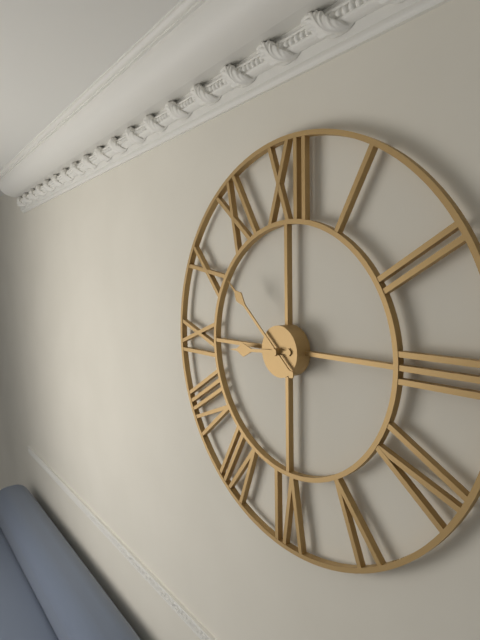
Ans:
**8:52**
